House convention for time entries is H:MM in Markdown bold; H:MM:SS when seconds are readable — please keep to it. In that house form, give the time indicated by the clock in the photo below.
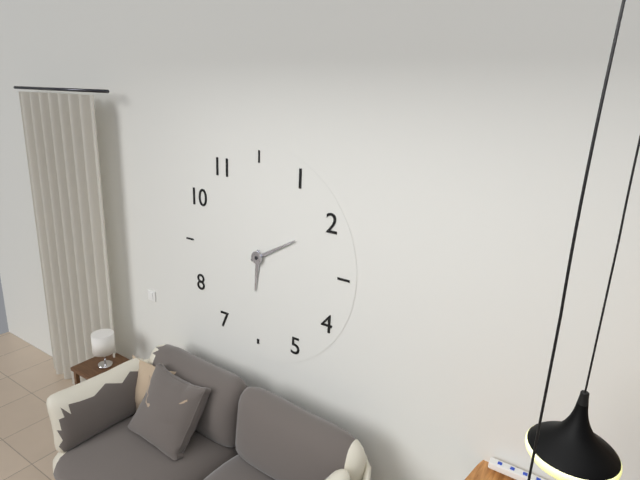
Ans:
**6:10**
